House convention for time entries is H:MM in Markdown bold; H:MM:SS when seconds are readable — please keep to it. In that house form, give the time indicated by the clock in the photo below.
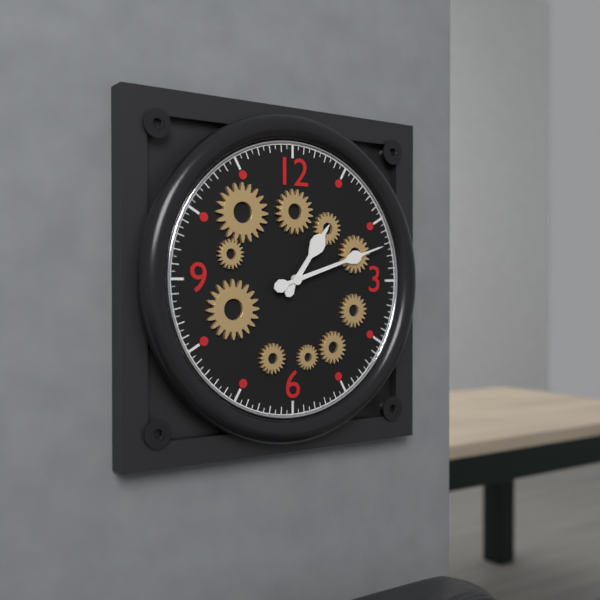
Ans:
**1:12**
